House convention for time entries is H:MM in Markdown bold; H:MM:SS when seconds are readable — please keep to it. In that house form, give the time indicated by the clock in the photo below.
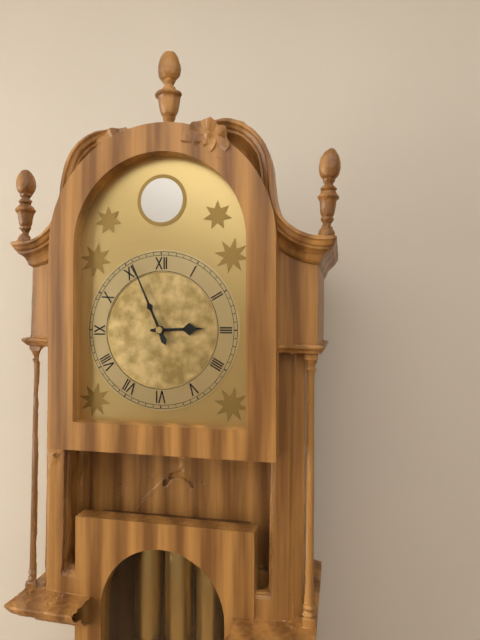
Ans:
**2:56**
